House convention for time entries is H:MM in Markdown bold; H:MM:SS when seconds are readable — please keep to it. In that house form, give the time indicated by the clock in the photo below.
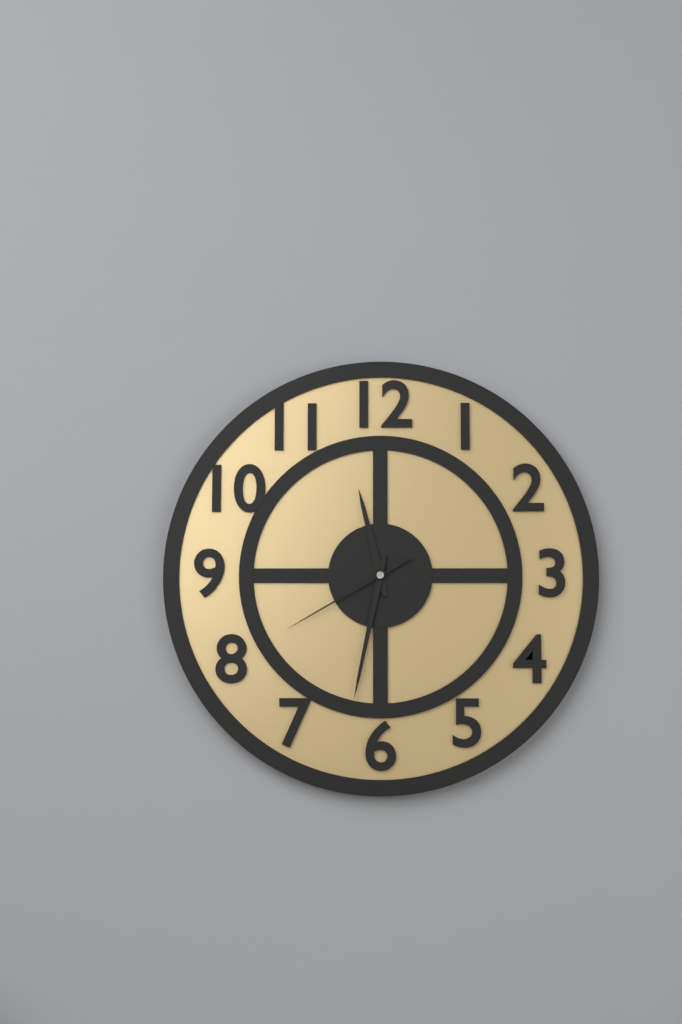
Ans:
**11:32:40**
